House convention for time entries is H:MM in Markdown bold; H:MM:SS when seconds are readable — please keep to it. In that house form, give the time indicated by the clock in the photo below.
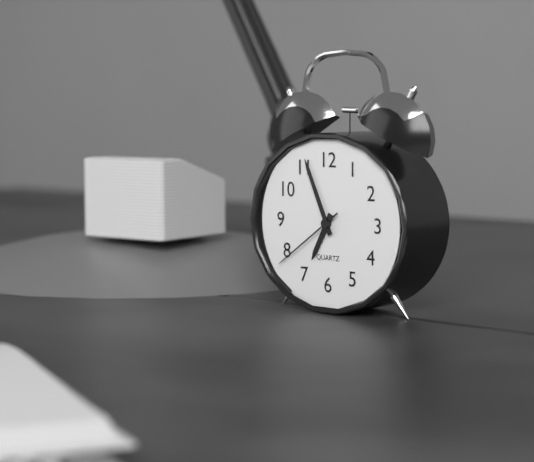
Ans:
**6:56:39**
